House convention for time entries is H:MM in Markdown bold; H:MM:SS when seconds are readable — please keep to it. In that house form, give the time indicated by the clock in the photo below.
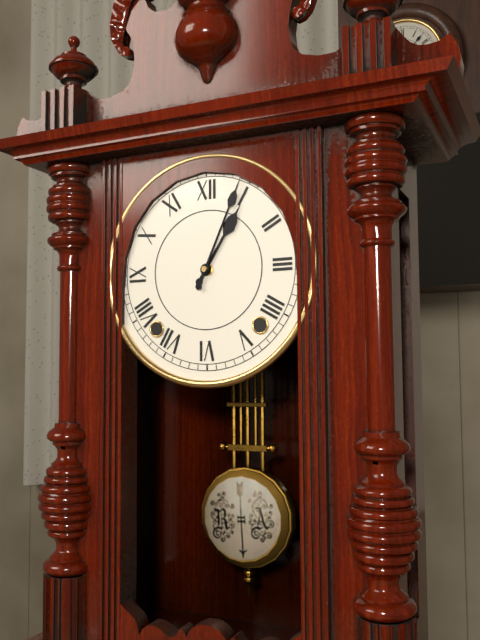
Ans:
**1:04**
